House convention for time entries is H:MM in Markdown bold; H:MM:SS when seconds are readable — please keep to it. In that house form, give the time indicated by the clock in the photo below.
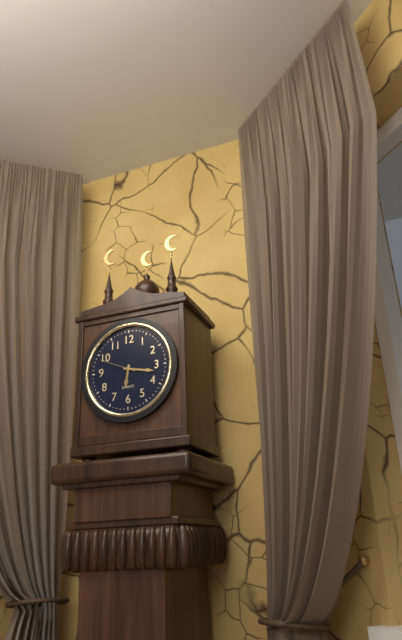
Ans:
**6:17**
